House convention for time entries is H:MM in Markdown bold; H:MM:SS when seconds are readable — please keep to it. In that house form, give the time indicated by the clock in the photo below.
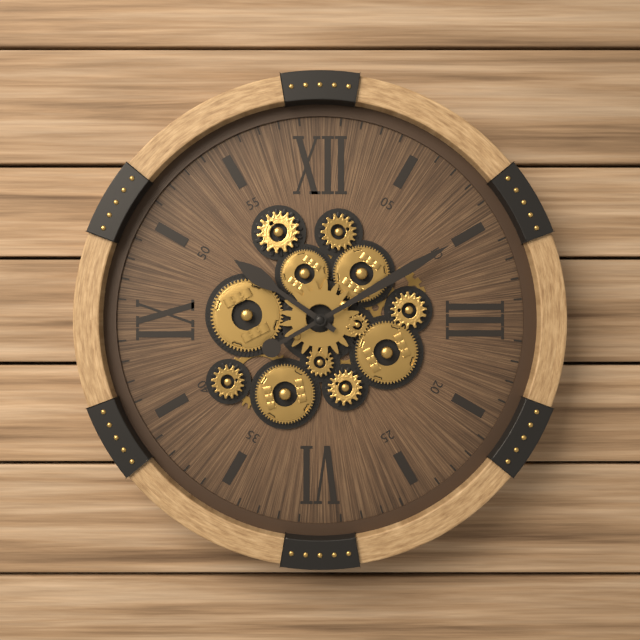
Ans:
**10:10**
